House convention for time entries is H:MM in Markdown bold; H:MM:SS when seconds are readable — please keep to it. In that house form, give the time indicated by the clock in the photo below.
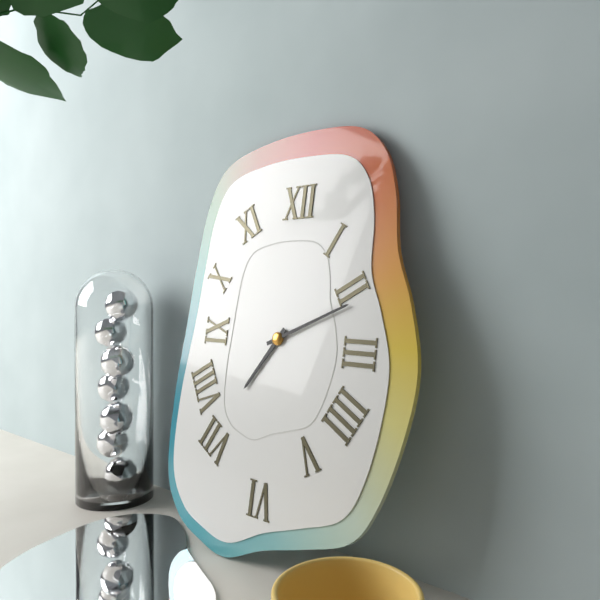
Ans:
**7:11**
